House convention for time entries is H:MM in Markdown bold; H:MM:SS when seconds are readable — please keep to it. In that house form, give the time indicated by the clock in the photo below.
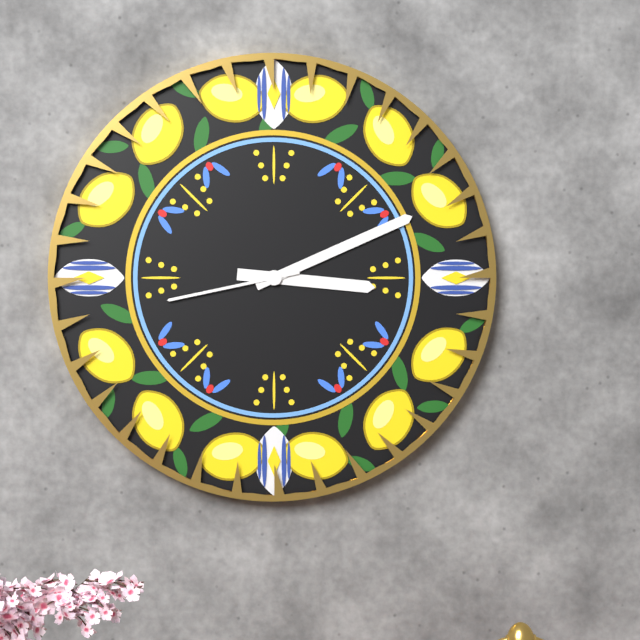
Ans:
**3:11:43**
